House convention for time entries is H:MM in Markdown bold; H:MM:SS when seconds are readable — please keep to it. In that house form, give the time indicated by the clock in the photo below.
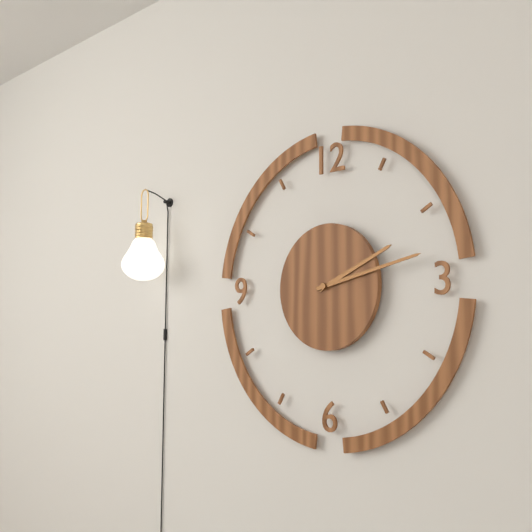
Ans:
**2:13**
